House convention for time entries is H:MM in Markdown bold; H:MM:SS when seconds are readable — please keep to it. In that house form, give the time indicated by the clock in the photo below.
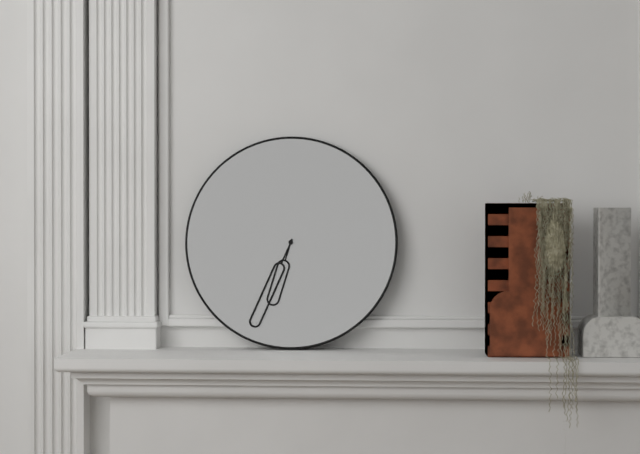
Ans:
**6:34**
